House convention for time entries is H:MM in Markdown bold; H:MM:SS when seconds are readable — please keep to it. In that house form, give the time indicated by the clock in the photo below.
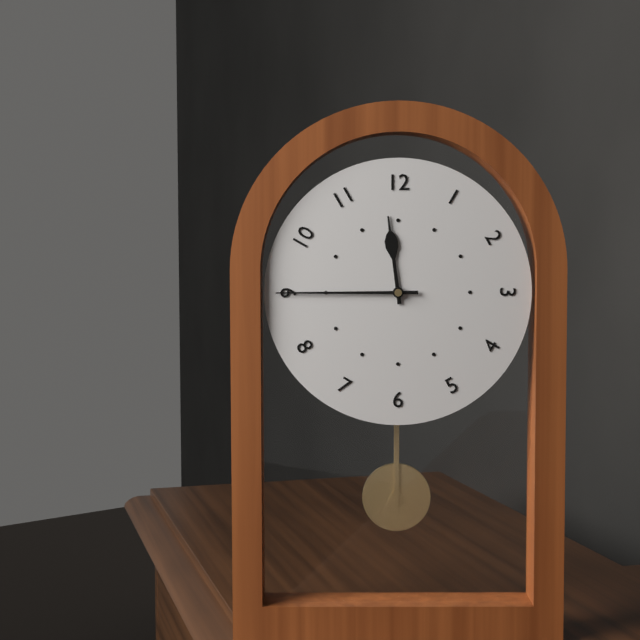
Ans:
**11:45**
